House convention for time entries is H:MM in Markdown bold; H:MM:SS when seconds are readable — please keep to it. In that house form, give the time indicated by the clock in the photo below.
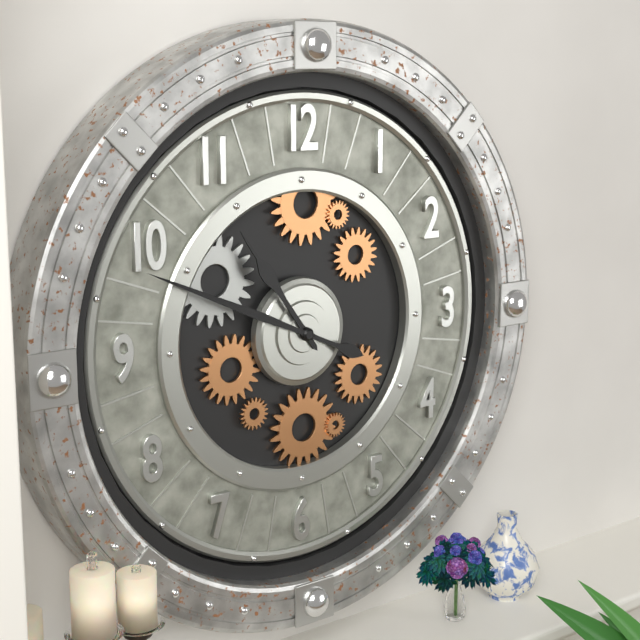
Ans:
**10:49**
